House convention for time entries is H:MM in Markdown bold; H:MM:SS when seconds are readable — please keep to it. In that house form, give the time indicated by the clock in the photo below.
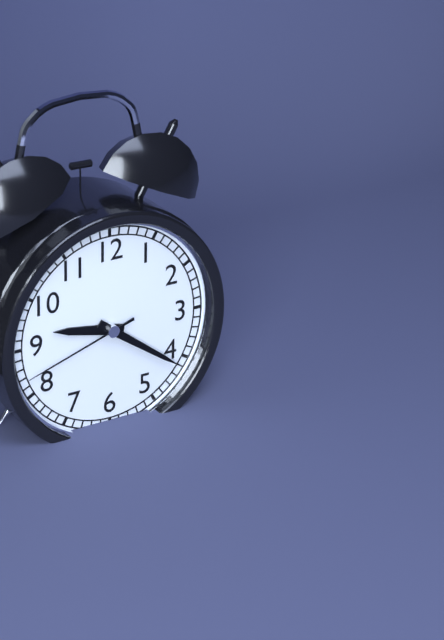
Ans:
**9:21:42**
